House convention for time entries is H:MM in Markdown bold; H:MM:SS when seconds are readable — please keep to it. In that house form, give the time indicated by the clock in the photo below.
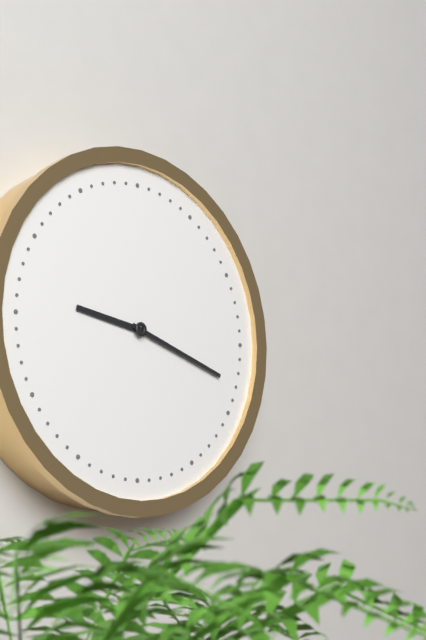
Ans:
**9:18**
